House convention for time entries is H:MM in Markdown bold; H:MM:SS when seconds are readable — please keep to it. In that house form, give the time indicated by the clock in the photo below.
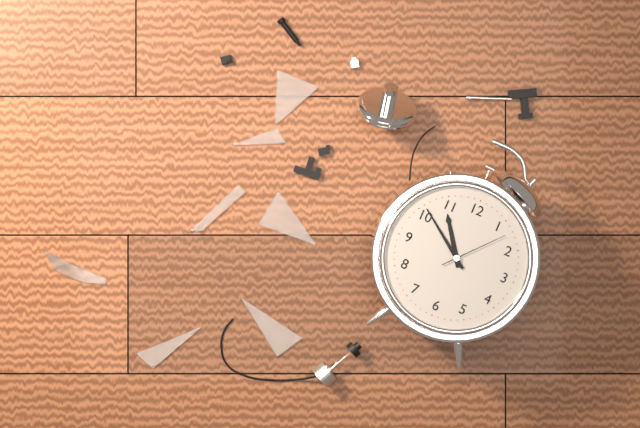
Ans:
**10:51:07**
